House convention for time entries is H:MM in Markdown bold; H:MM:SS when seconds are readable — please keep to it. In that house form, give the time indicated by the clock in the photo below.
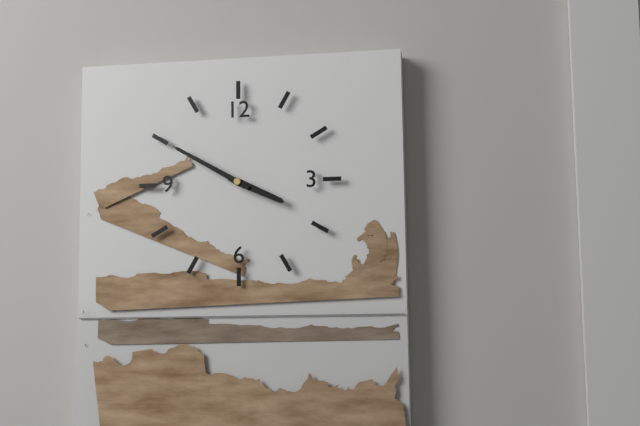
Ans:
**3:50**
